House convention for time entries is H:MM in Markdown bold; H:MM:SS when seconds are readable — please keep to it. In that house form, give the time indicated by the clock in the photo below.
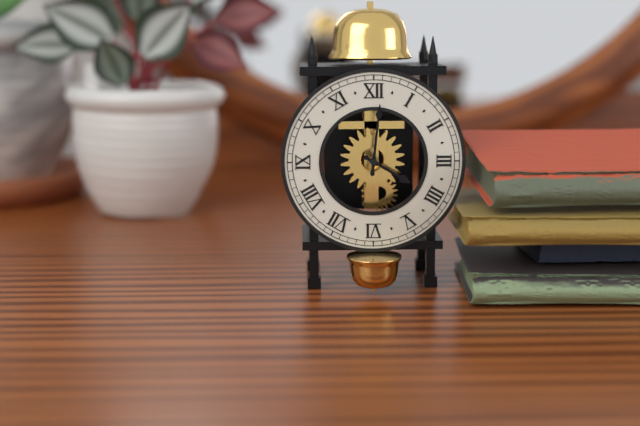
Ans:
**4:01**
